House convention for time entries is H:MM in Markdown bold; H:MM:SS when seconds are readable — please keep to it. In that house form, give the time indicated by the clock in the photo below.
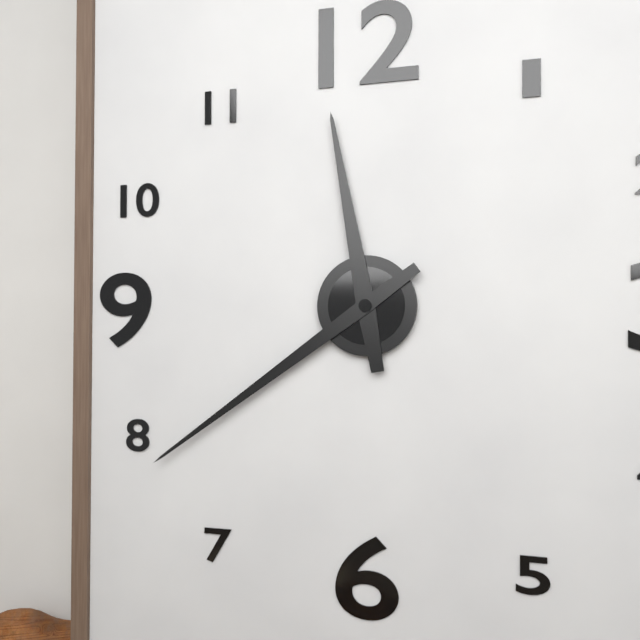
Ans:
**11:39**
